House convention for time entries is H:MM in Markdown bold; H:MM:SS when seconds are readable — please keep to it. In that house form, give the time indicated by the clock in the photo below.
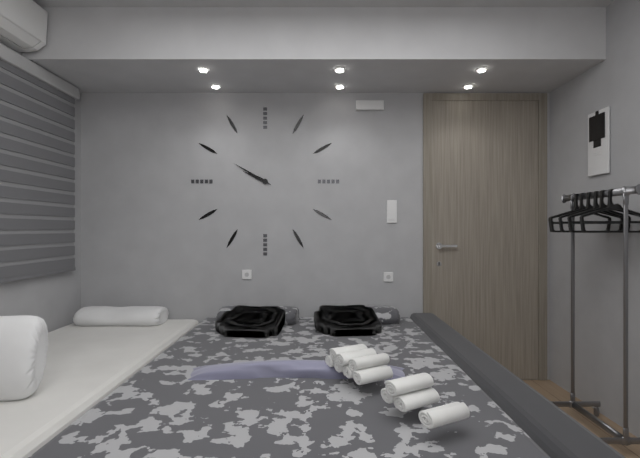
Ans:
**9:50**
